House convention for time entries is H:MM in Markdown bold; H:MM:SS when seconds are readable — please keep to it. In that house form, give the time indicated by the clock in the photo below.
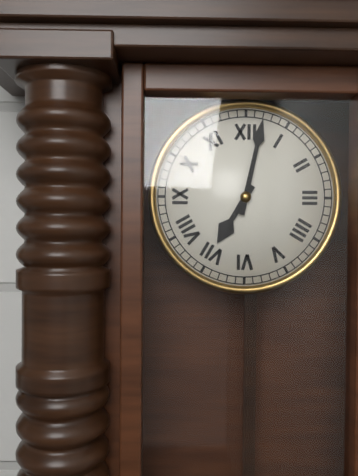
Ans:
**7:02**
